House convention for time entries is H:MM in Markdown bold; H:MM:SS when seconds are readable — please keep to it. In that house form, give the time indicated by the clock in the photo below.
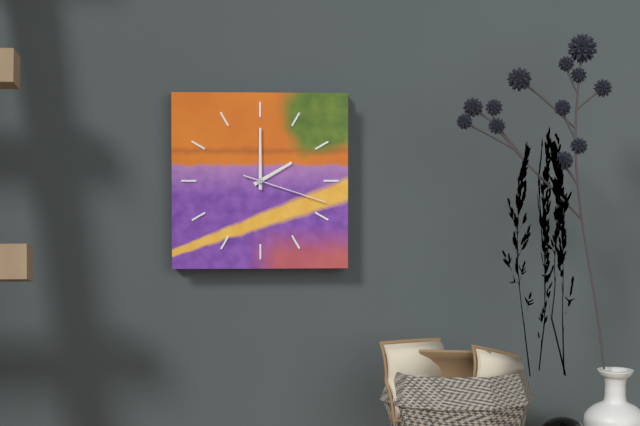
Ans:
**2:00:18**
